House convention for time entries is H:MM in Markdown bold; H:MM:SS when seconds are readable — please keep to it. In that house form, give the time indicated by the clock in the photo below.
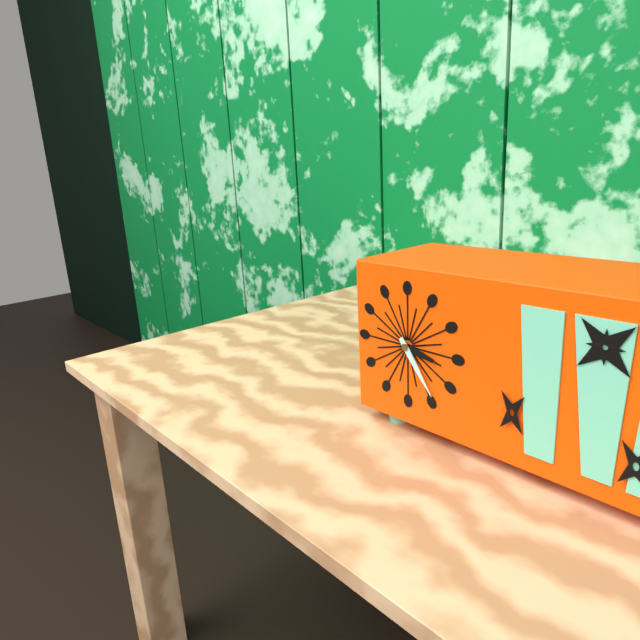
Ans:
**3:24**
